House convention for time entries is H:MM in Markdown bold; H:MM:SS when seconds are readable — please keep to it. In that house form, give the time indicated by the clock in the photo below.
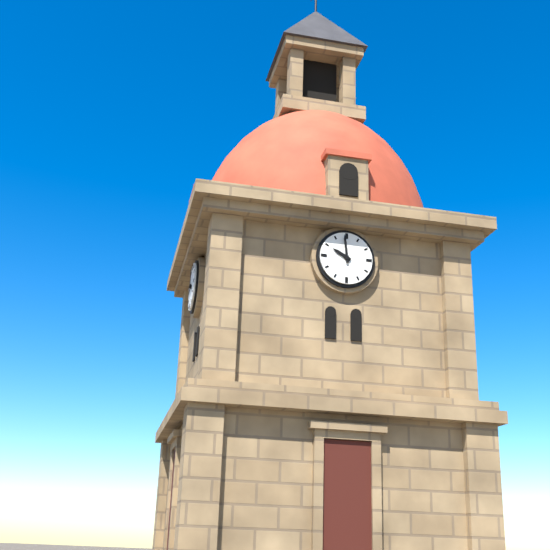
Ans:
**9:59**
